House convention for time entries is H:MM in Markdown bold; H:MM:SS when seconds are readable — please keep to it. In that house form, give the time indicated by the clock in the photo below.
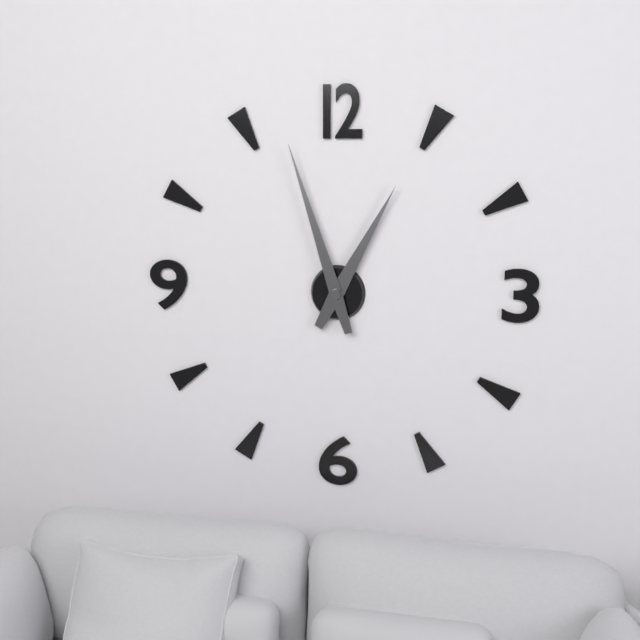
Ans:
**12:57**
